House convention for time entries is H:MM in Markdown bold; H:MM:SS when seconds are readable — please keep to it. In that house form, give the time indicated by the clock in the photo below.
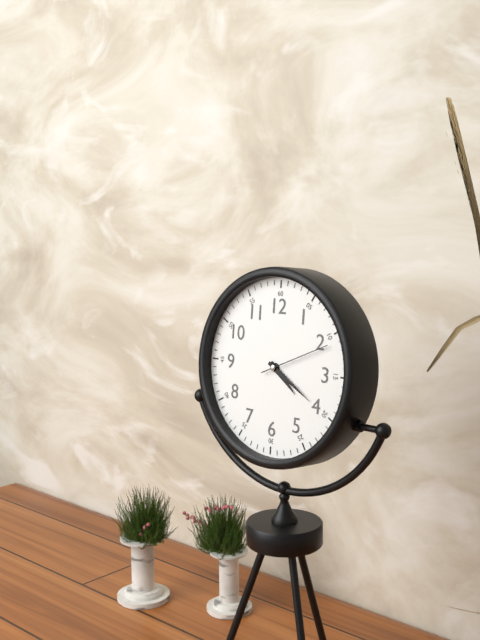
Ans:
**4:20:11**
